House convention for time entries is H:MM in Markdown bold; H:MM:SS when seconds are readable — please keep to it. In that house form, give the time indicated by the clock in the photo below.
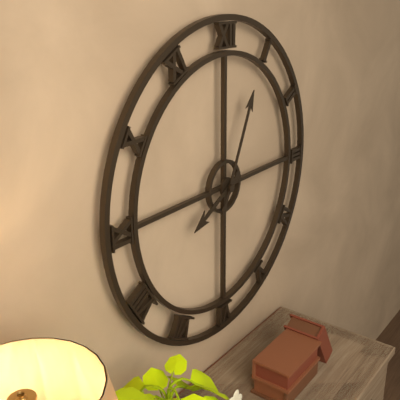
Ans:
**8:04**
